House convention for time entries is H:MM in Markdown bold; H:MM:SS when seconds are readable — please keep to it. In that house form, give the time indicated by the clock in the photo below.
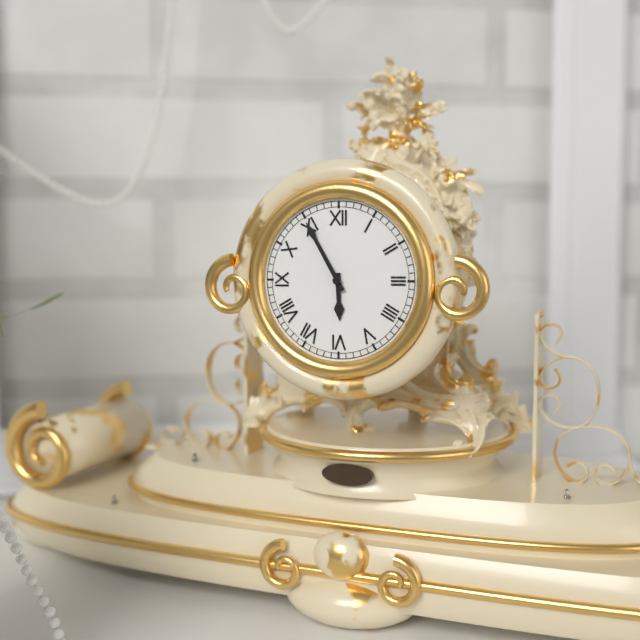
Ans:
**5:55**
